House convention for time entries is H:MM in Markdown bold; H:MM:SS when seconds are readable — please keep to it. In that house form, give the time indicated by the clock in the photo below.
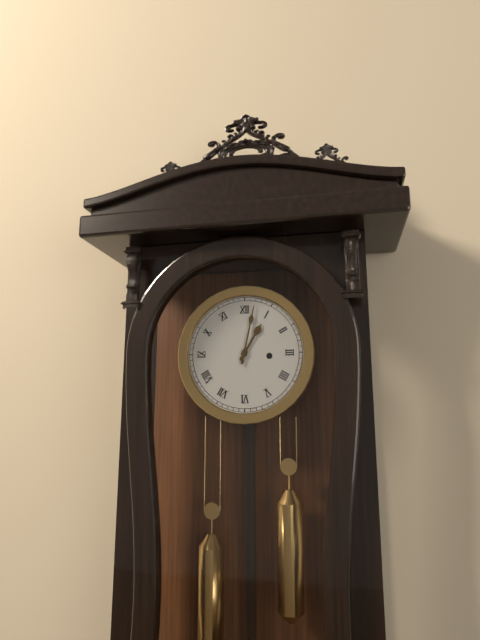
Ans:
**1:02**
